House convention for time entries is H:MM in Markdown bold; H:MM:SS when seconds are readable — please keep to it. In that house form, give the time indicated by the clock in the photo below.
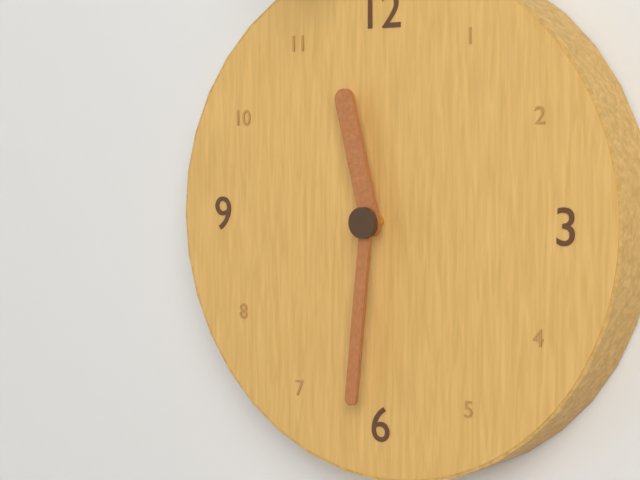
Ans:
**11:31**
